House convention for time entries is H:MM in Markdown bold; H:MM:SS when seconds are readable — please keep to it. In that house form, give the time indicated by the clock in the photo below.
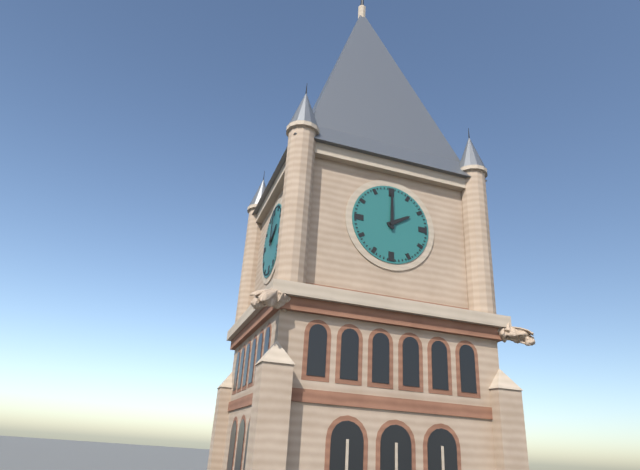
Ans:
**2:00**
